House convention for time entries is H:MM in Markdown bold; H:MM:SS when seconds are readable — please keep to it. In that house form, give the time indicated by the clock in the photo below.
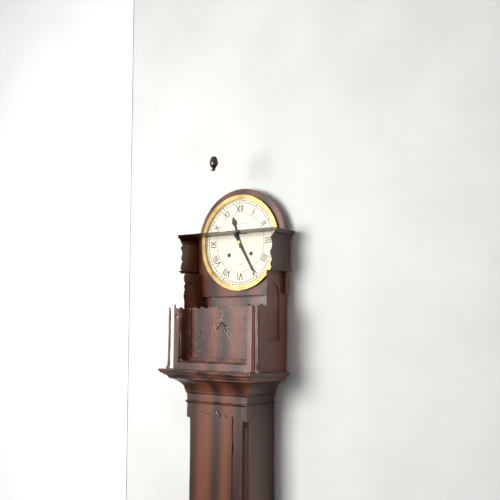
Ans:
**11:25**
